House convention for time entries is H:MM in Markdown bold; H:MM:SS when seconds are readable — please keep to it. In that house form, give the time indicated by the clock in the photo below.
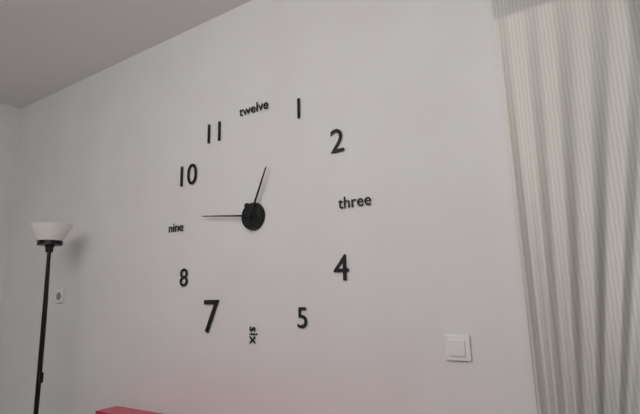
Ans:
**12:46**
